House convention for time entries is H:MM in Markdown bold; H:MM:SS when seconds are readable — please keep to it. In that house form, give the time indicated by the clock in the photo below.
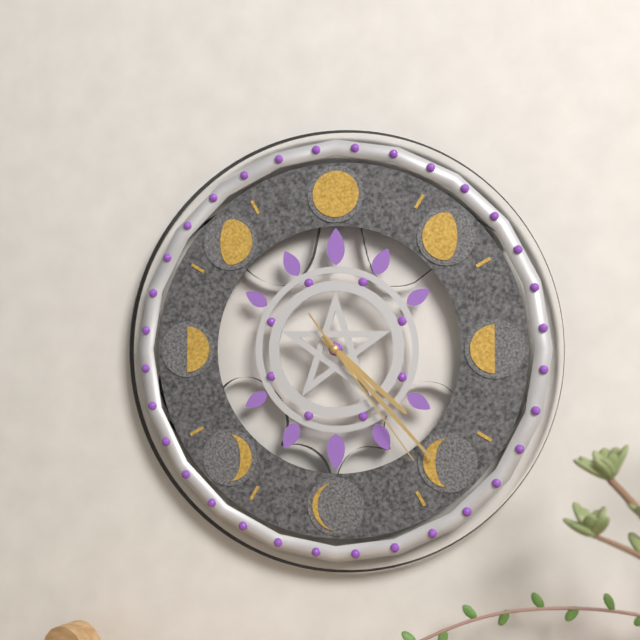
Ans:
**4:23:24**
